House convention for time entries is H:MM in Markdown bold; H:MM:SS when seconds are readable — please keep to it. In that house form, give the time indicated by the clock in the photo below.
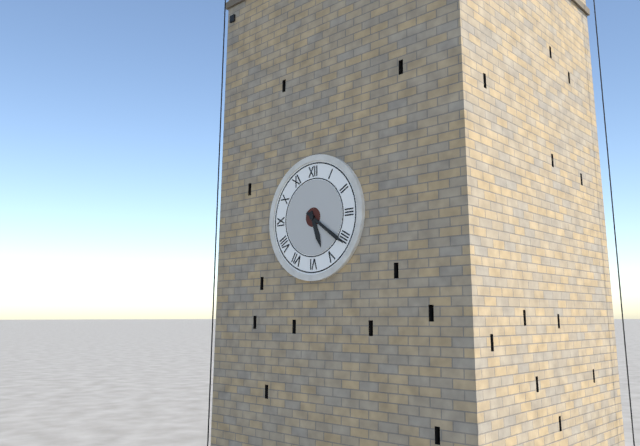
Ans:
**5:21**
